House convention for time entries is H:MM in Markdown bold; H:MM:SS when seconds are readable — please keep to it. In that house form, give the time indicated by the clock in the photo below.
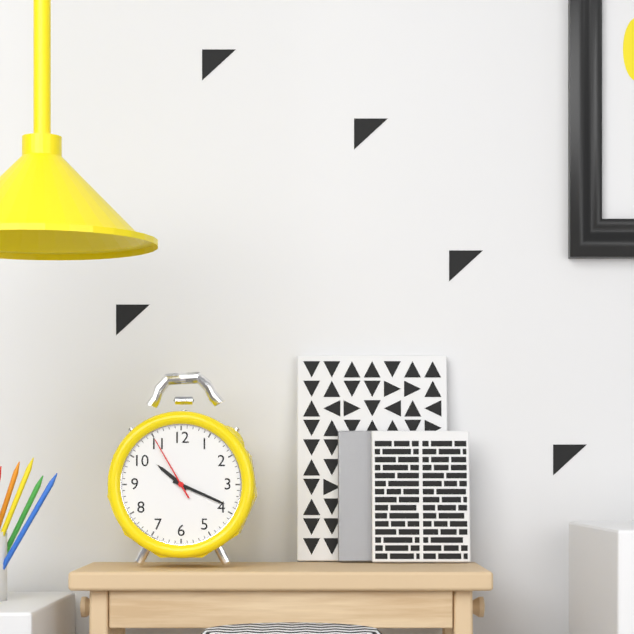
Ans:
**10:19:55**
